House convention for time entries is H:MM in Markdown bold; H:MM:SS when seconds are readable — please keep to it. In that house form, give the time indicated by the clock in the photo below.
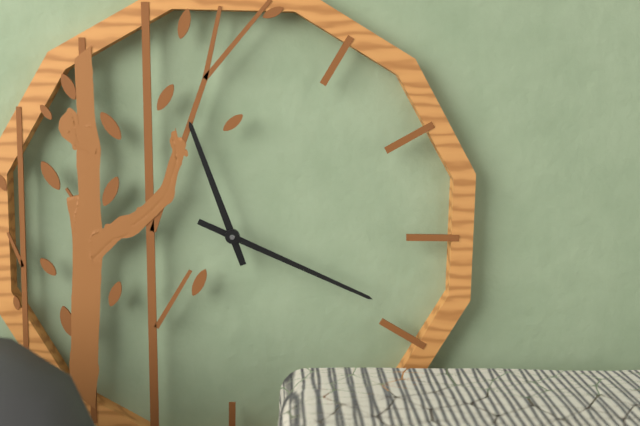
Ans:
**11:19**
